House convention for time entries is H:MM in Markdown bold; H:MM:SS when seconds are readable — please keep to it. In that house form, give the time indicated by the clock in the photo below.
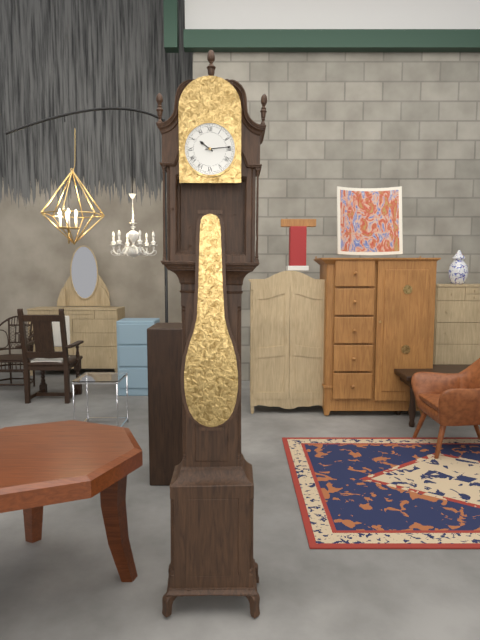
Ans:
**10:14**
